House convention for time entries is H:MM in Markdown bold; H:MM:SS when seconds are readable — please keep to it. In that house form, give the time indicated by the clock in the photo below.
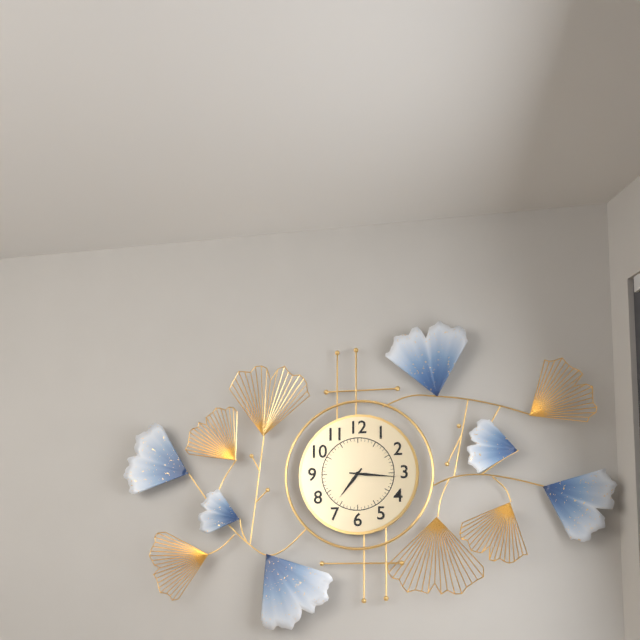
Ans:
**7:16**
